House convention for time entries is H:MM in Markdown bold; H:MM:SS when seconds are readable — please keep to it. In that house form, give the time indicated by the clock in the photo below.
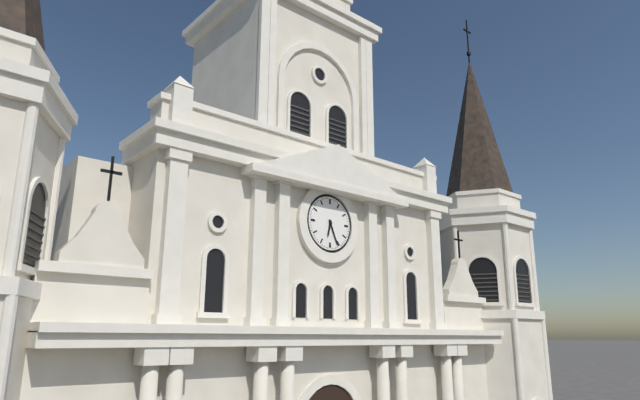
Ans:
**6:26**
